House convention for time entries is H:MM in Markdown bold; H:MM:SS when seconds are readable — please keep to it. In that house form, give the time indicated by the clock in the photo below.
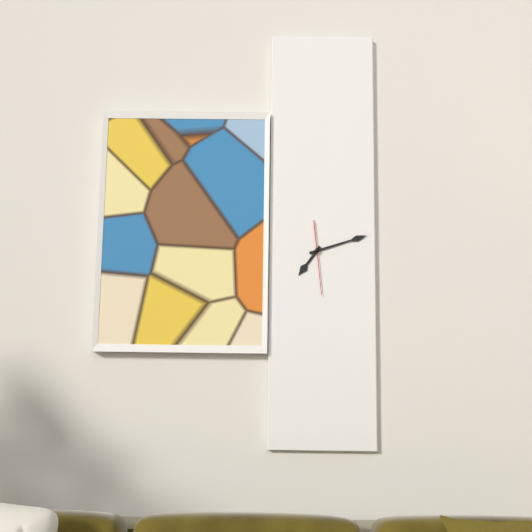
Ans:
**7:12:29**
